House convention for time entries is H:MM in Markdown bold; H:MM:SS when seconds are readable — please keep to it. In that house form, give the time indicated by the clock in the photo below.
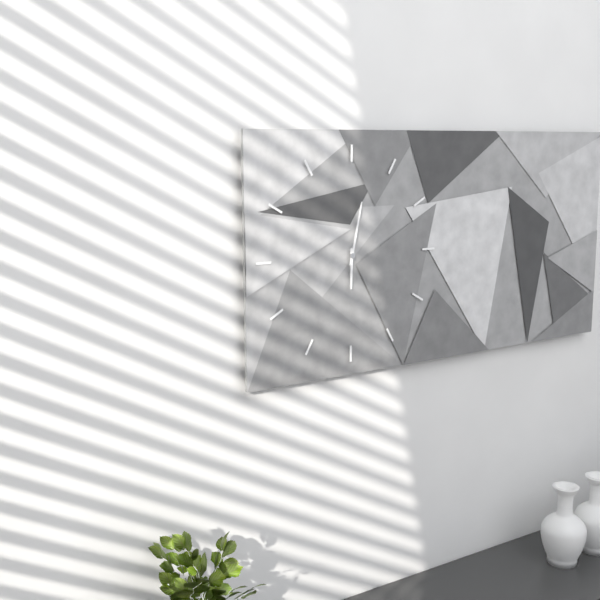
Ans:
**6:02**
